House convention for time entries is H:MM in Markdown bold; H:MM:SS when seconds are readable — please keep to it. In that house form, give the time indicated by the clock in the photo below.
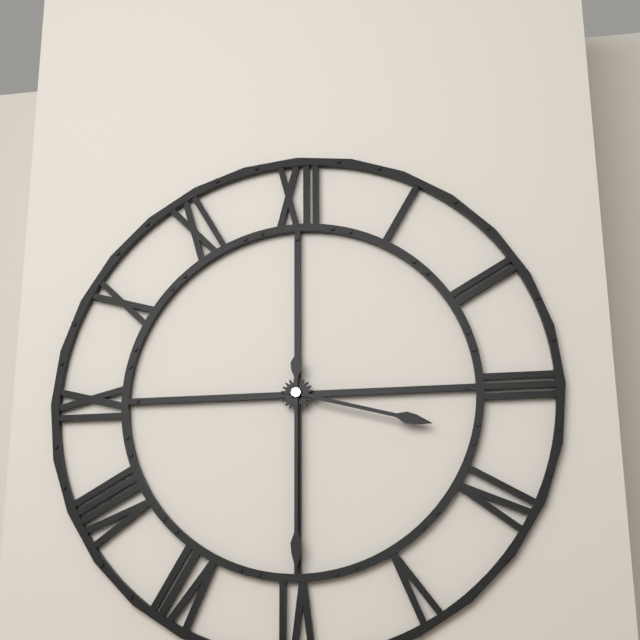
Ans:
**3:30**
